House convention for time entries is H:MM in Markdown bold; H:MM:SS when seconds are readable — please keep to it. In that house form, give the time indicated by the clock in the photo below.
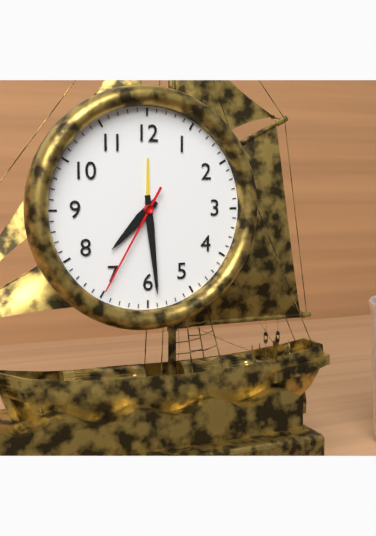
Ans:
**7:29:35**
